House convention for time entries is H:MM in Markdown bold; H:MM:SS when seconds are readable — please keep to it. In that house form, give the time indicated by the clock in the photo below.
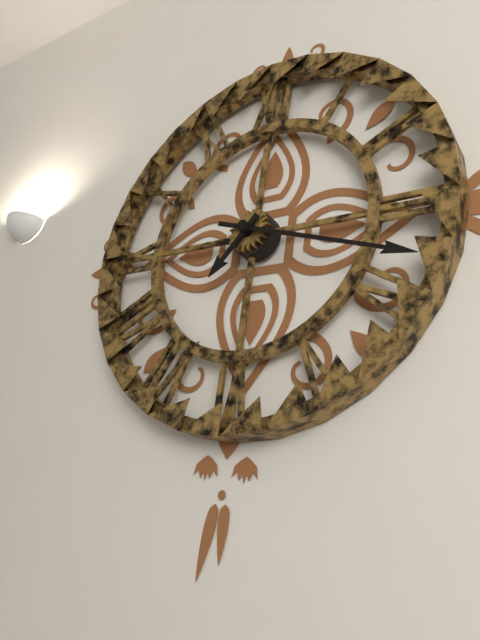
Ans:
**7:18**
